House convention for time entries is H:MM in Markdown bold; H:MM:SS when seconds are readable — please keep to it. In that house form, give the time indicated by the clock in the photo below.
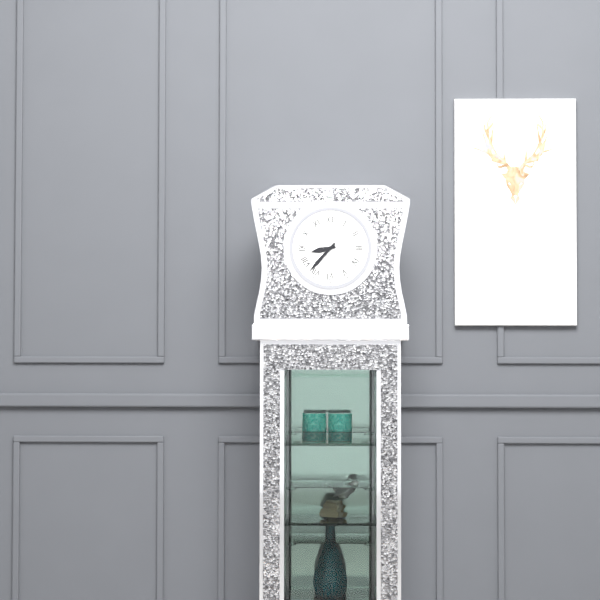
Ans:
**8:37**
